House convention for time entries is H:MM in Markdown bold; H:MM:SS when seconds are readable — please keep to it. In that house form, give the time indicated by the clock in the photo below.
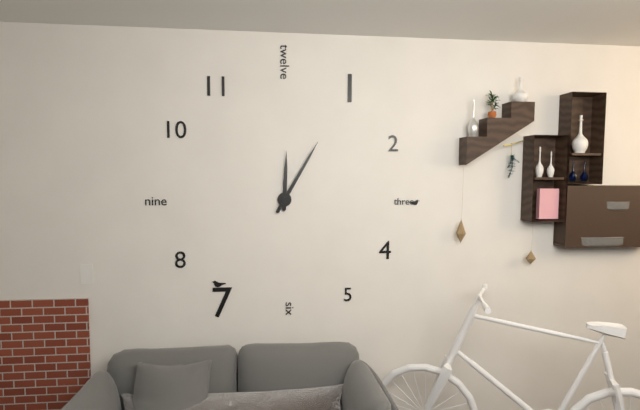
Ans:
**12:05**
